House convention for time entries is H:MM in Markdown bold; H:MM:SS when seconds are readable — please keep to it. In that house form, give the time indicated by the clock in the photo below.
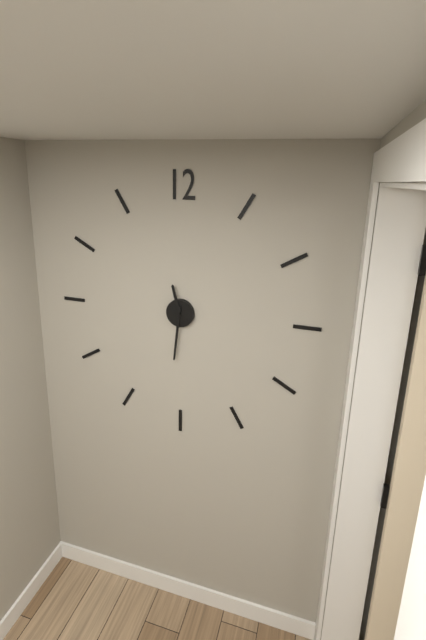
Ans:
**11:31**
